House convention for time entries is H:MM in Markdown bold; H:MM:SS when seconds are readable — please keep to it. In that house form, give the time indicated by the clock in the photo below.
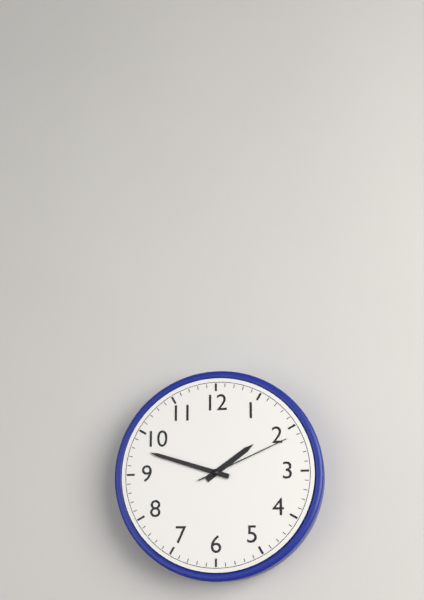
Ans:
**1:48:11**
